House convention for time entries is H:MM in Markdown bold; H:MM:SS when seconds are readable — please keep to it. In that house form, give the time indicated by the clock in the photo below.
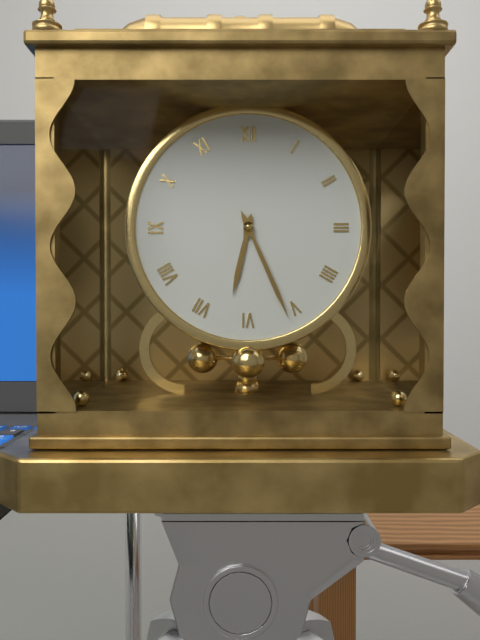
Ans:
**6:26**
